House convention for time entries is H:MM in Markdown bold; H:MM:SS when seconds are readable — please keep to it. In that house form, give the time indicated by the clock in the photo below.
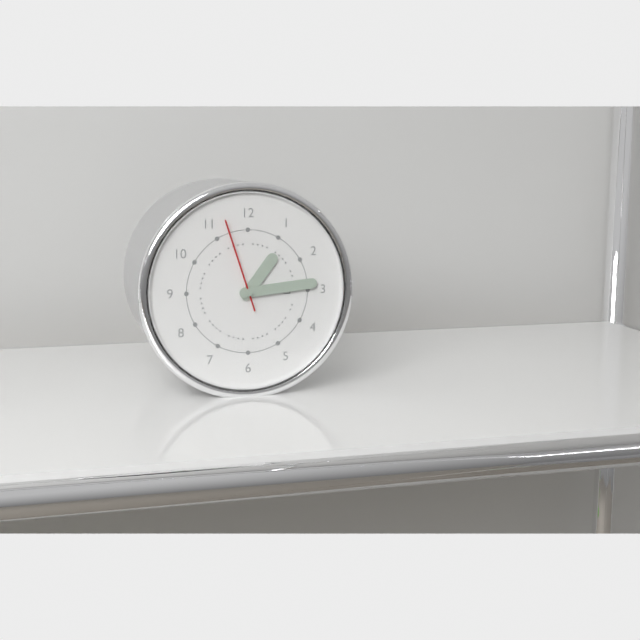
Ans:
**1:14:57**
